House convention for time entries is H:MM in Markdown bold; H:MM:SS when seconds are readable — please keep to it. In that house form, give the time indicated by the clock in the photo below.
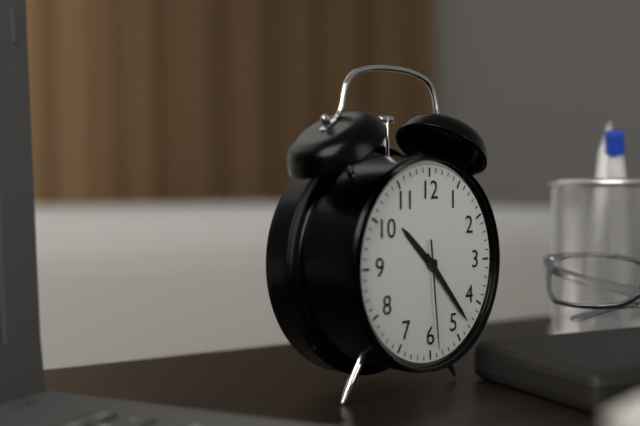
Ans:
**10:23:29**
